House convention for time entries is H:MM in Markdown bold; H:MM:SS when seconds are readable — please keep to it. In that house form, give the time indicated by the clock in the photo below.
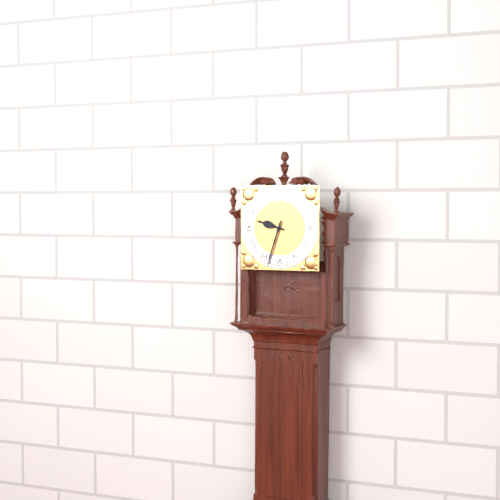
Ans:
**9:33**
